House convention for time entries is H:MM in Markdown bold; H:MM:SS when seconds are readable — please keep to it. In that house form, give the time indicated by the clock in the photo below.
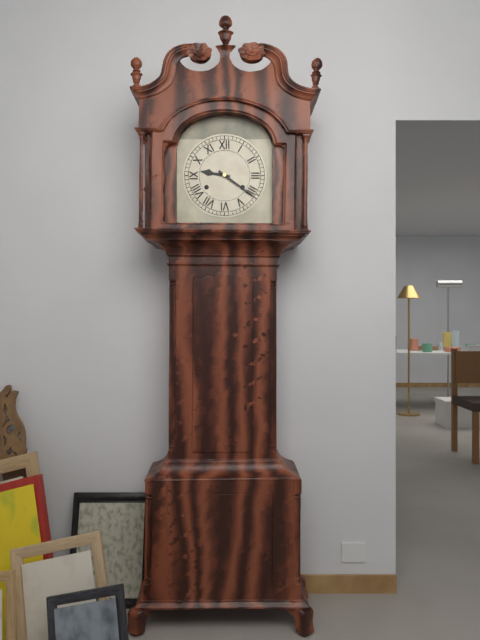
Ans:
**9:21**
